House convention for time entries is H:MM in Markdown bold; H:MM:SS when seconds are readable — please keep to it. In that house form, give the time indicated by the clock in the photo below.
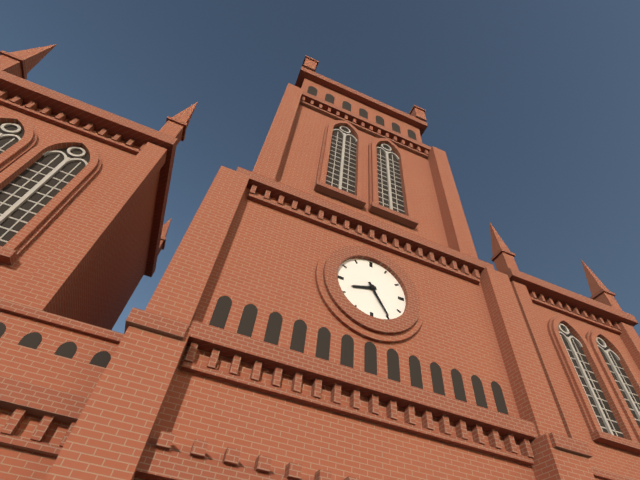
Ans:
**8:25**
